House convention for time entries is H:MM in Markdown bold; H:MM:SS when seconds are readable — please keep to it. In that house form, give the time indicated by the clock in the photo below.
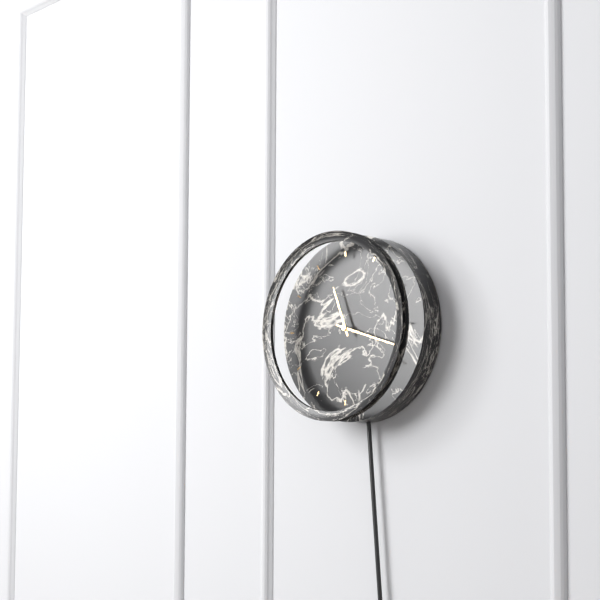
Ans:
**11:18**
